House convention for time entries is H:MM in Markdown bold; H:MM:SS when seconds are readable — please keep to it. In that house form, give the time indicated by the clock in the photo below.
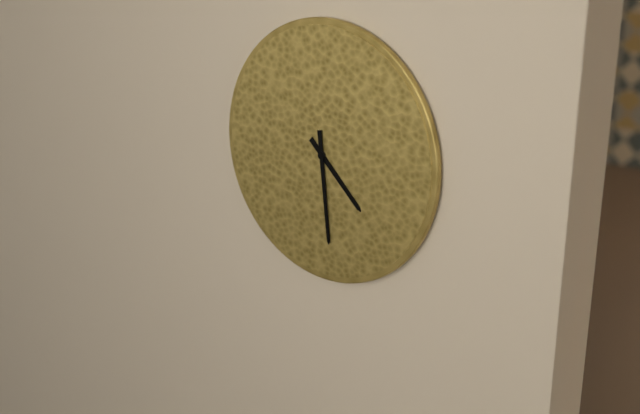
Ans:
**4:29**
